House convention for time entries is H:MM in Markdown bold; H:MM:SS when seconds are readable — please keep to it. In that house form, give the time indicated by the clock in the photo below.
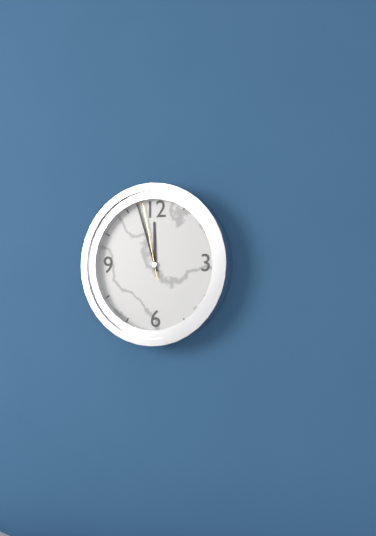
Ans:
**11:57:58**
